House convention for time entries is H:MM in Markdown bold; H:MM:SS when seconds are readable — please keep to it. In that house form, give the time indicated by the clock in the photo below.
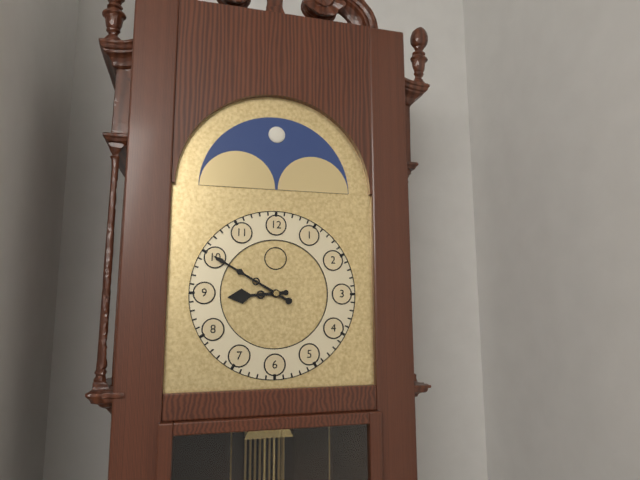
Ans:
**8:50**
